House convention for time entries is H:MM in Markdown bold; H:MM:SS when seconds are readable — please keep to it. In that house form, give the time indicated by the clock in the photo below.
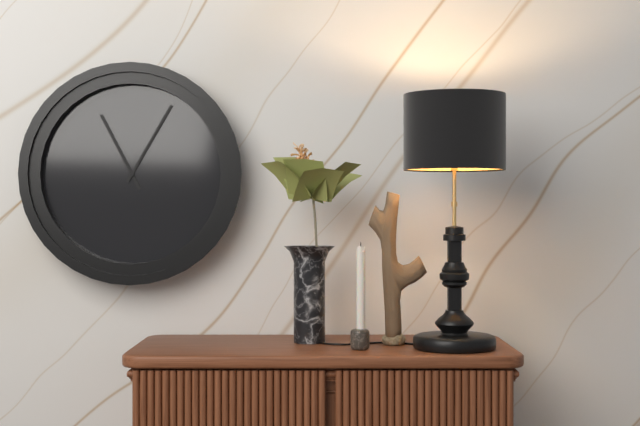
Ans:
**11:05**
